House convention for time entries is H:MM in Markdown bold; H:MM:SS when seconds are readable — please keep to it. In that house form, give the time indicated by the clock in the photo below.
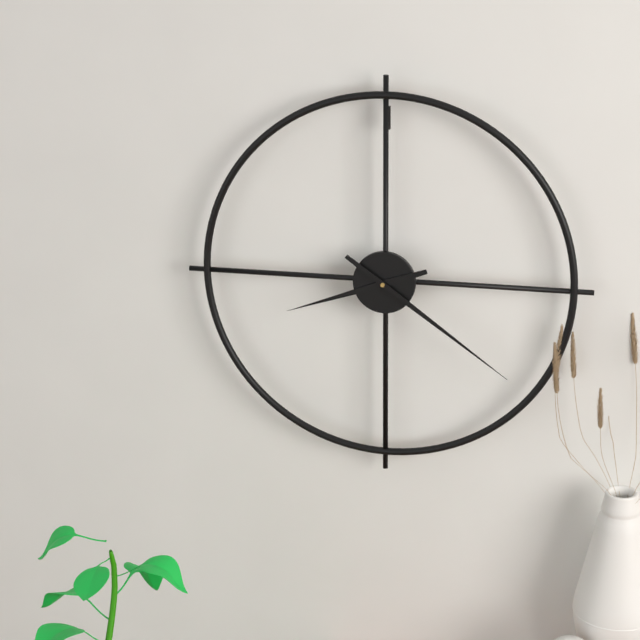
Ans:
**8:21**
